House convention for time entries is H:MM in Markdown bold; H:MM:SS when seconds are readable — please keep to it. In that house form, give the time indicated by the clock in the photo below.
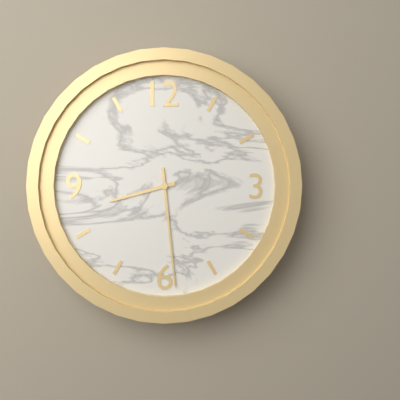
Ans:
**8:29**
